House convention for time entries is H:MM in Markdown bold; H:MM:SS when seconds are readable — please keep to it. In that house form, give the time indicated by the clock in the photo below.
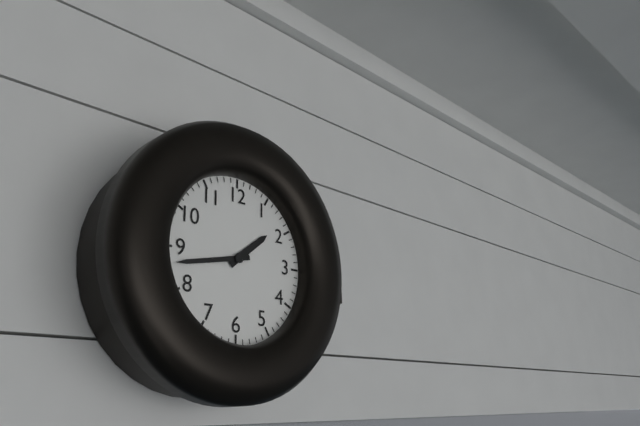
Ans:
**1:43**
